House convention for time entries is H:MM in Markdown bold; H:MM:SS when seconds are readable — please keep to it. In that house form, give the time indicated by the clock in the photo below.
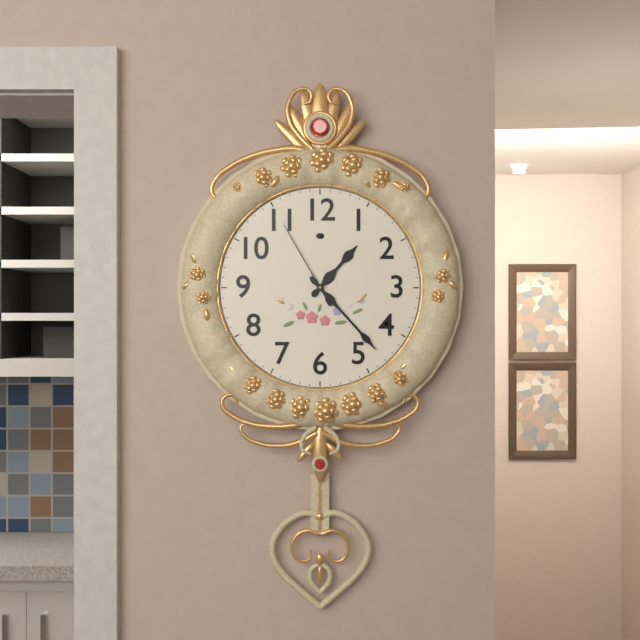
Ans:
**1:23:55**
